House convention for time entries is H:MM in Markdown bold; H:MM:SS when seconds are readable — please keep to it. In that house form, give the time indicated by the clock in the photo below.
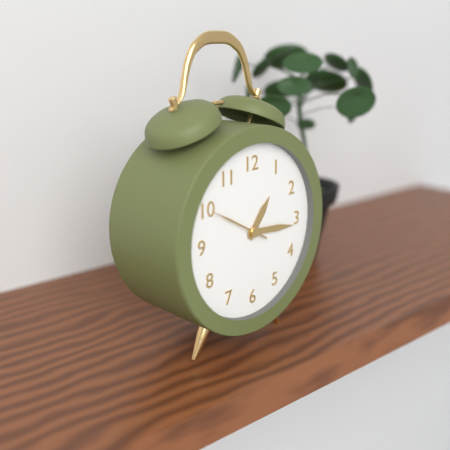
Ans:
**1:16:50**
